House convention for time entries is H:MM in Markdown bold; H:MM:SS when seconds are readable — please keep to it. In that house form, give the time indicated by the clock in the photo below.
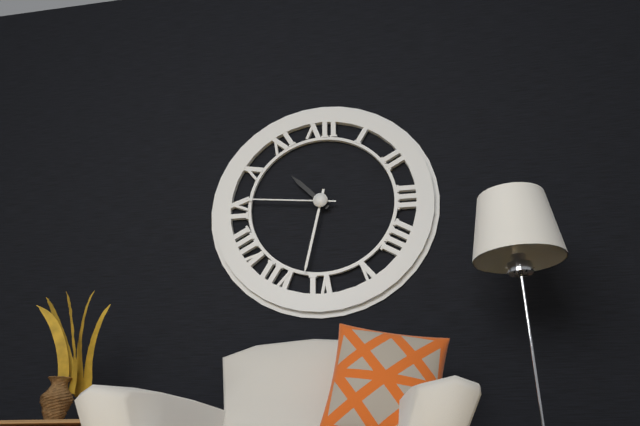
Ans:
**10:32:46**
